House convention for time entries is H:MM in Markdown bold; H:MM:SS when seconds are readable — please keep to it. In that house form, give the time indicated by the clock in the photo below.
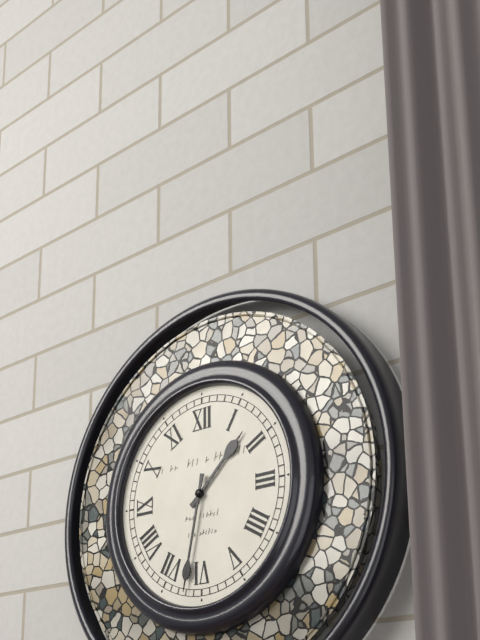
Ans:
**1:32**
